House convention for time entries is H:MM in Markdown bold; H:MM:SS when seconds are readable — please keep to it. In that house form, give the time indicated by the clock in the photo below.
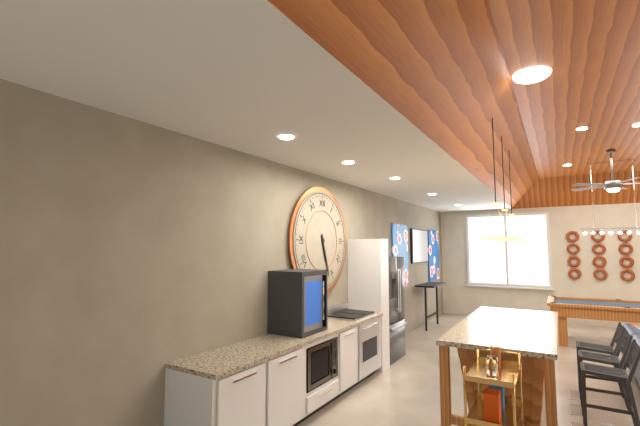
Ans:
**5:27**
